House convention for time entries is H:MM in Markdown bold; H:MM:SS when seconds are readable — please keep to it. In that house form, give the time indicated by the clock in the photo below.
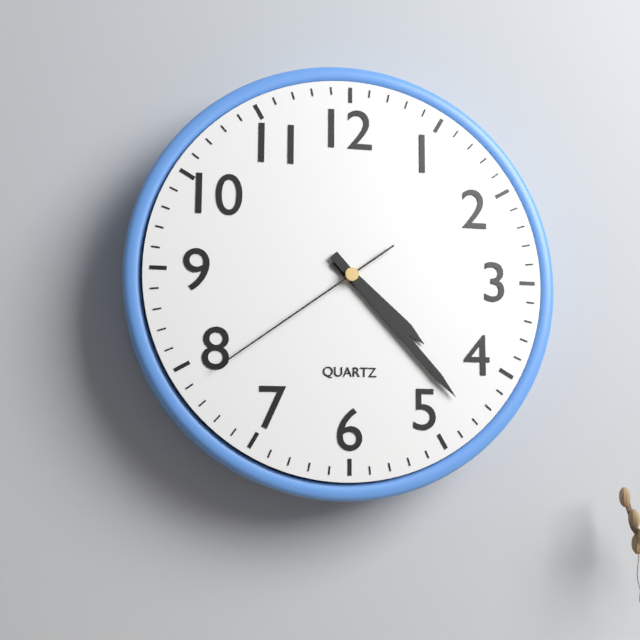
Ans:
**4:23:39**
